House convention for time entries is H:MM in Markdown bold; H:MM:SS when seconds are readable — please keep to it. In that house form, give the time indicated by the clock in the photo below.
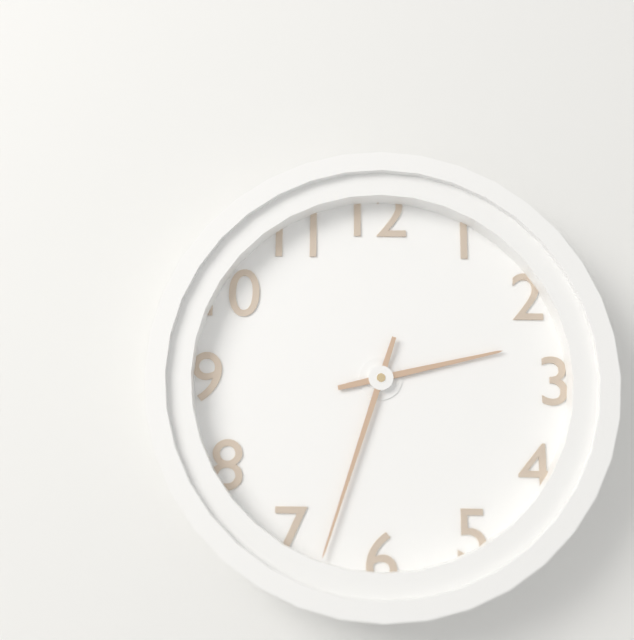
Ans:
**2:33**
